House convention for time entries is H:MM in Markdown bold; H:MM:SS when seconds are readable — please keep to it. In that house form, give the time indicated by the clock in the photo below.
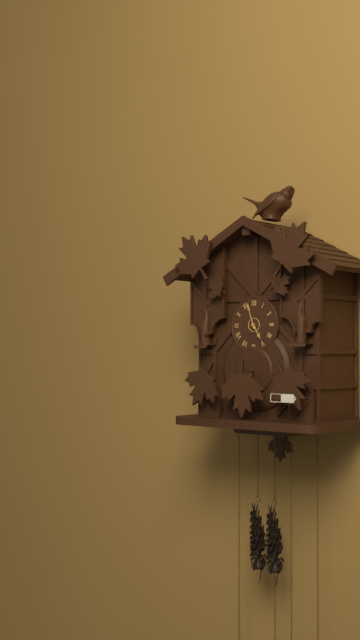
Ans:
**4:57**
